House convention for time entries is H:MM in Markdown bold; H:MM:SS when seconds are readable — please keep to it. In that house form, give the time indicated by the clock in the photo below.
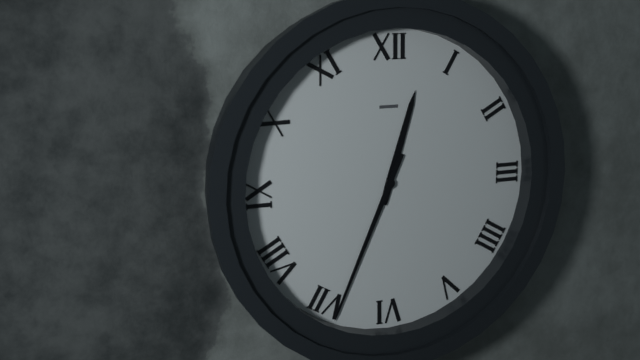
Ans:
**12:34**
